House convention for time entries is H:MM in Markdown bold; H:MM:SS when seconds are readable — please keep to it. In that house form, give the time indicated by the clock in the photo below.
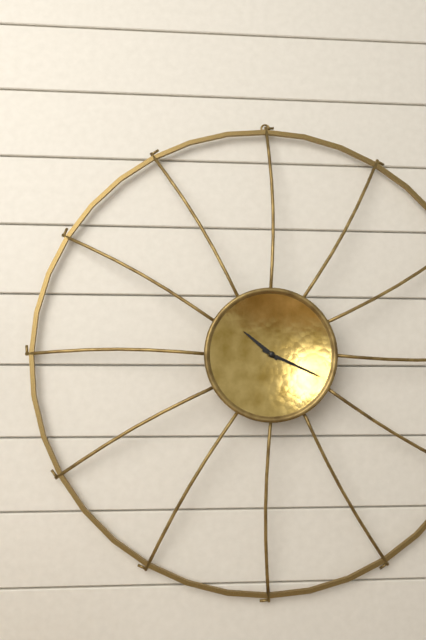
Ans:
**10:19**
